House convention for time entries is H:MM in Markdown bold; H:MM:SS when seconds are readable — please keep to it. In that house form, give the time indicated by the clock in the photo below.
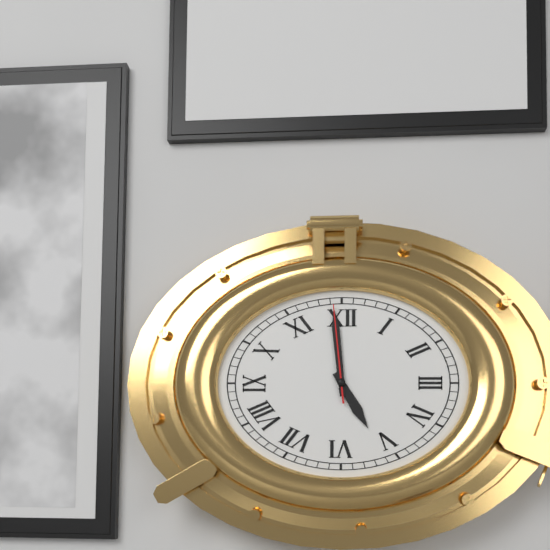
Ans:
**4:59:59**
